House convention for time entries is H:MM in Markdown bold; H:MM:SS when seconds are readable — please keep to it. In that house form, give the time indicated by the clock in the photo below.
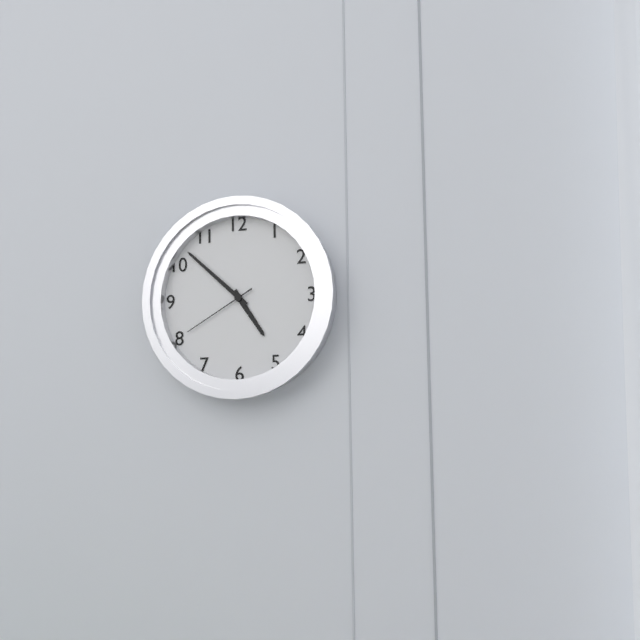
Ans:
**4:52:40**
